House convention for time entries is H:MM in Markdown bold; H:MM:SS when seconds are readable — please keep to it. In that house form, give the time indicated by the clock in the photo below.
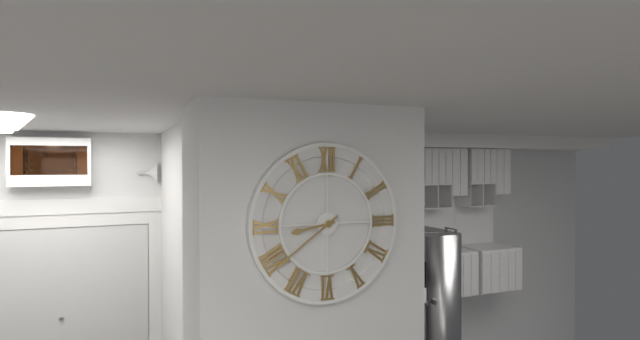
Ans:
**8:39**
